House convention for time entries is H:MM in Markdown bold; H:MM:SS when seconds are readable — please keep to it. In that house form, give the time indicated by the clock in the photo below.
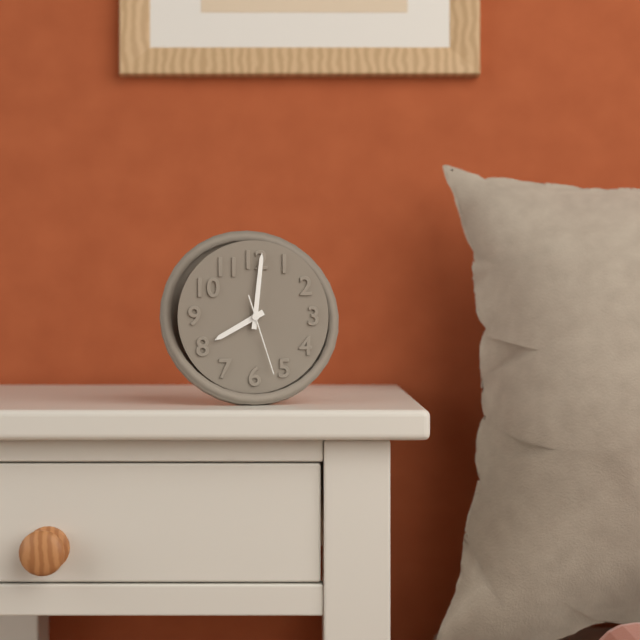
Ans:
**8:01:27**
